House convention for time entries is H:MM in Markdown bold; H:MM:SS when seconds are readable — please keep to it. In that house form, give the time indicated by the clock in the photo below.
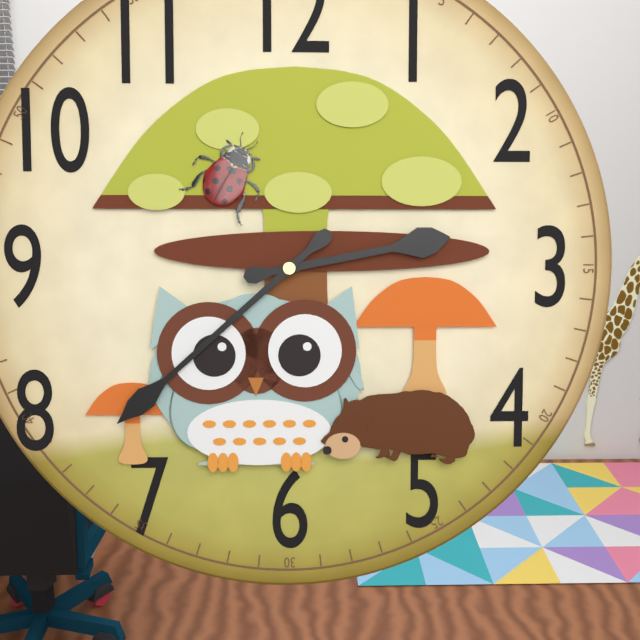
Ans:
**2:38**
